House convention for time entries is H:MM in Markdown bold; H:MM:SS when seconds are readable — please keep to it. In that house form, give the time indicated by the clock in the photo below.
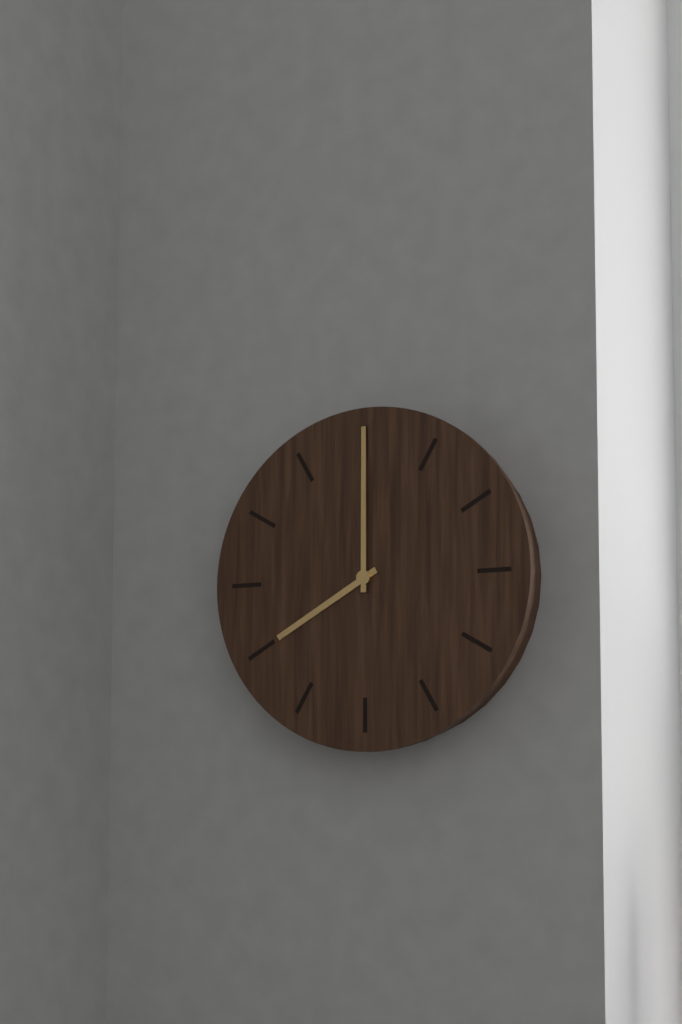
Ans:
**8:00**
